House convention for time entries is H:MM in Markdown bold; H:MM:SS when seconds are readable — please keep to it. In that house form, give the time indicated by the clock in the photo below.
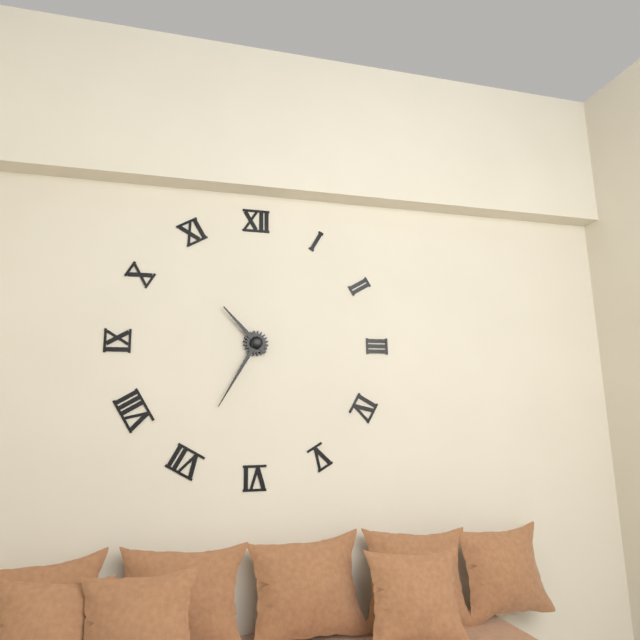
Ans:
**10:35**
